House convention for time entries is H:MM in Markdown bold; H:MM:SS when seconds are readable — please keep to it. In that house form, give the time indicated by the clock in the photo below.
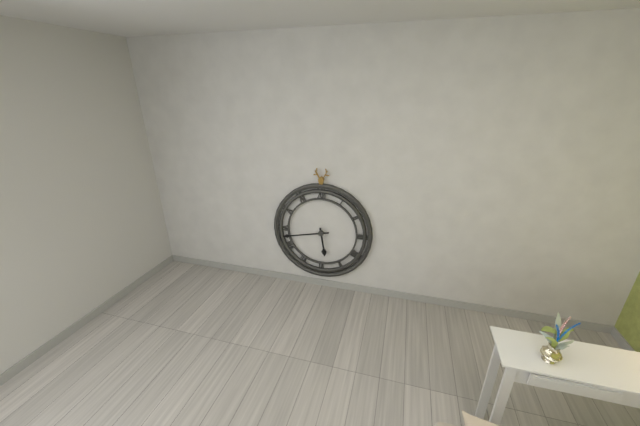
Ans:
**5:43**
